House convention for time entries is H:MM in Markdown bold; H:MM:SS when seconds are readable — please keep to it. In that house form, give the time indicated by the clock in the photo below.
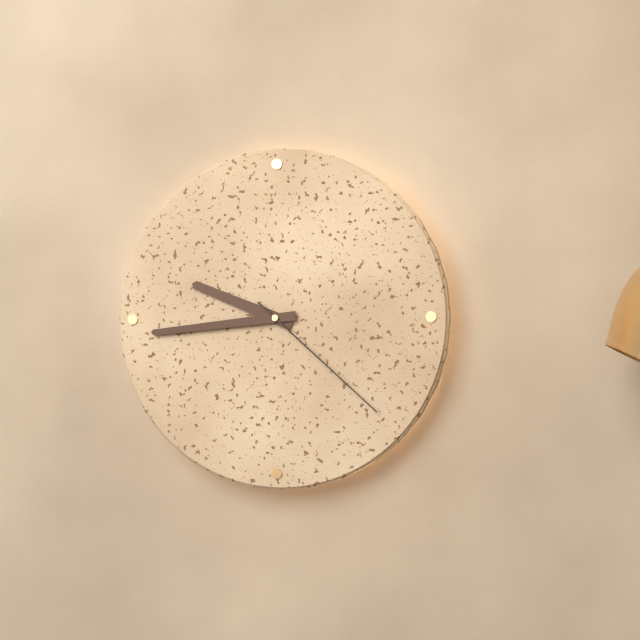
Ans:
**9:44:22**
